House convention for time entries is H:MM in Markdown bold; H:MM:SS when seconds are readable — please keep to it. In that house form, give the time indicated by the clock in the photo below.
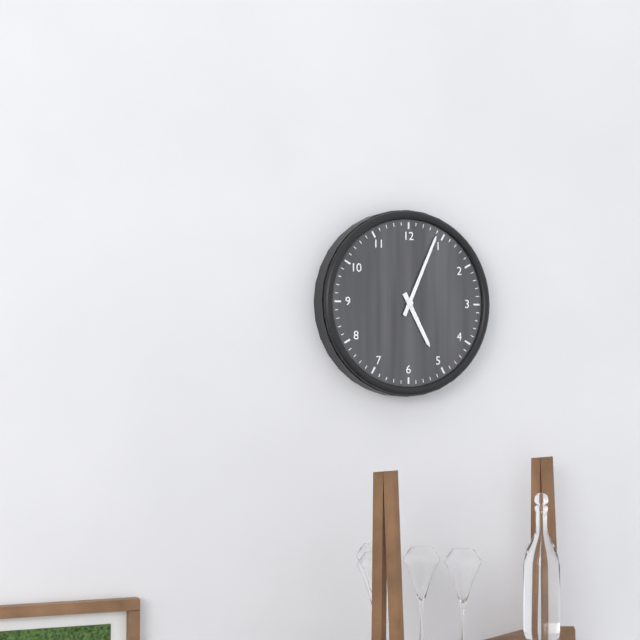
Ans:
**5:04**
